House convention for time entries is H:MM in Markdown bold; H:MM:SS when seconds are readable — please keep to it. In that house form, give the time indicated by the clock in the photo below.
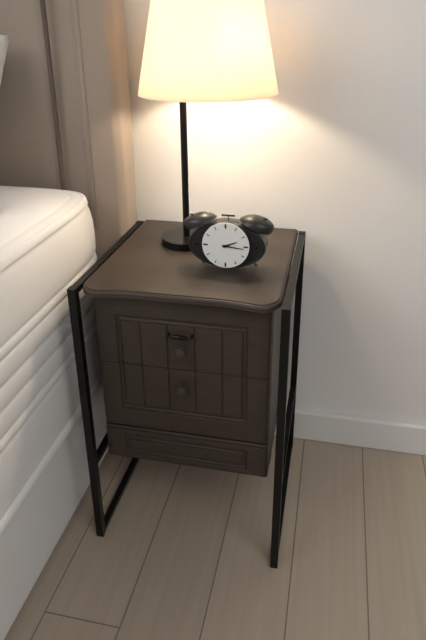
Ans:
**2:16**
